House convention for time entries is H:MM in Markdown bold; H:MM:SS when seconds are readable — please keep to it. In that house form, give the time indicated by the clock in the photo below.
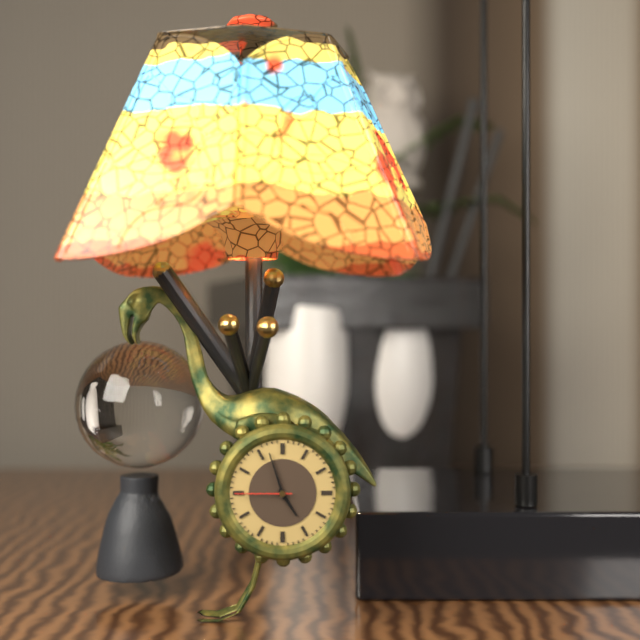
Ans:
**4:57:45**
